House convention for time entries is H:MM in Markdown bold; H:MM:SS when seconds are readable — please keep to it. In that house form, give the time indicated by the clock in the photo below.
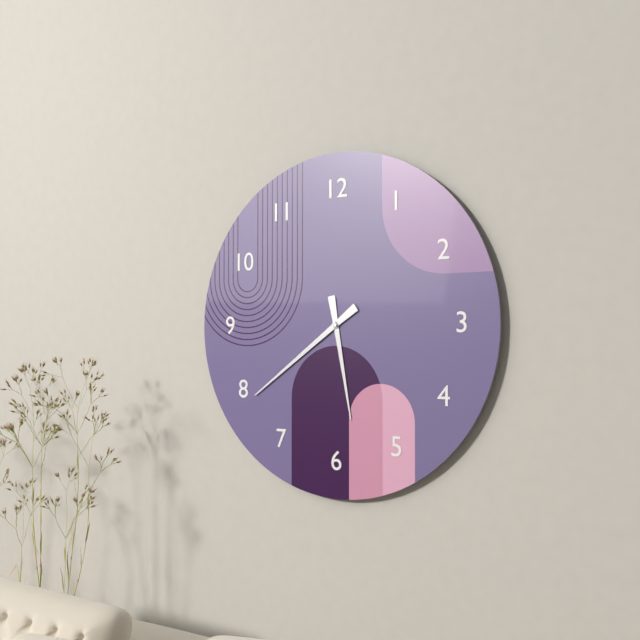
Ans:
**5:39**
